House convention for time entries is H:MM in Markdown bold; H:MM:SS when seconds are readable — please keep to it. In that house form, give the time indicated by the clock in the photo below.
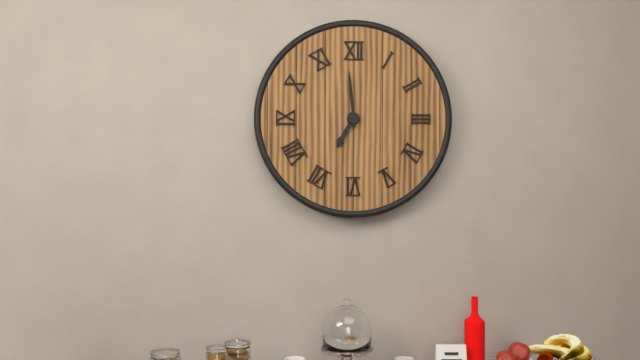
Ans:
**6:59**
